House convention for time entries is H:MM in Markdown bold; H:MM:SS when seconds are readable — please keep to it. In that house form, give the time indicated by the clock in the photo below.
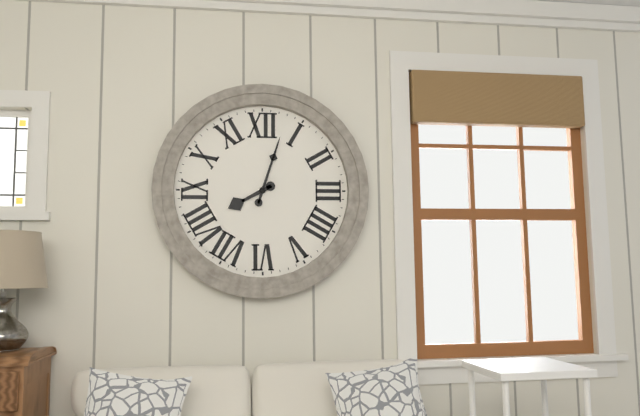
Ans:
**8:03**
